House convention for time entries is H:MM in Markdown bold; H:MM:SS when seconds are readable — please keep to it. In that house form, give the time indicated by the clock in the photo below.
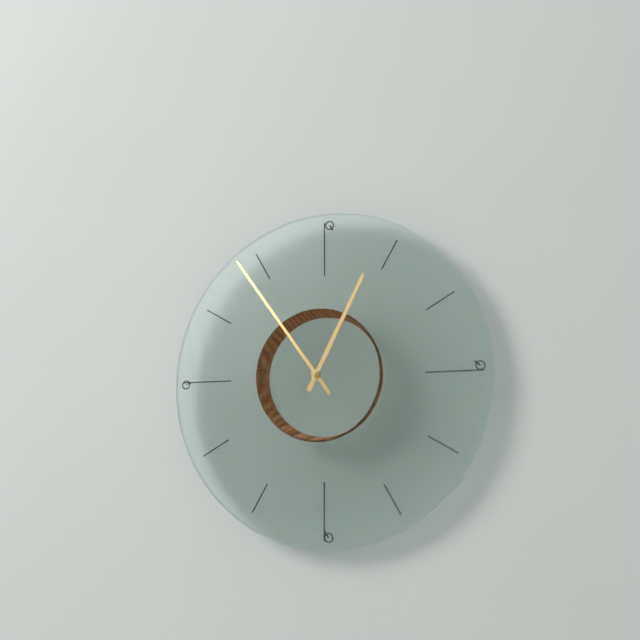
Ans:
**12:54**
